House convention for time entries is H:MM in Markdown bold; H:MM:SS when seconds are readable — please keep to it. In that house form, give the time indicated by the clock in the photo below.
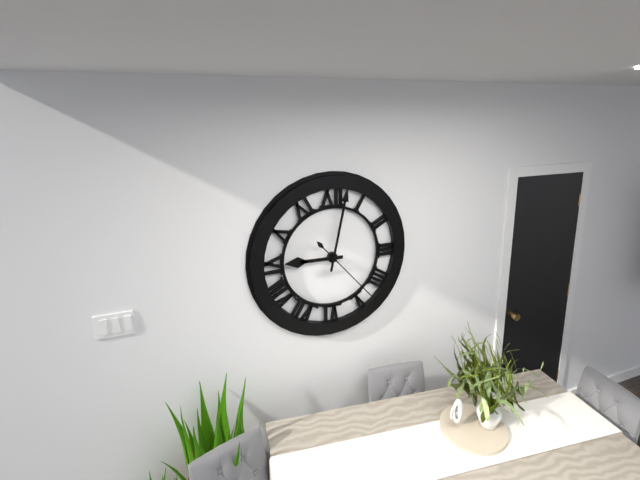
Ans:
**9:02:23**
